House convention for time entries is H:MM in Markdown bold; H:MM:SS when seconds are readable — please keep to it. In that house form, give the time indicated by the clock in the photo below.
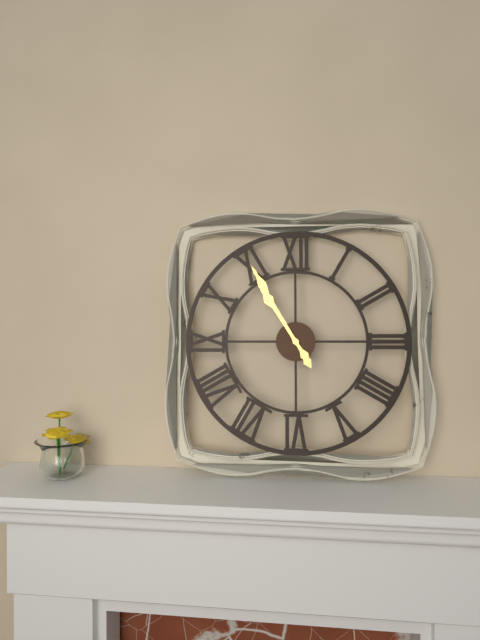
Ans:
**10:55**
